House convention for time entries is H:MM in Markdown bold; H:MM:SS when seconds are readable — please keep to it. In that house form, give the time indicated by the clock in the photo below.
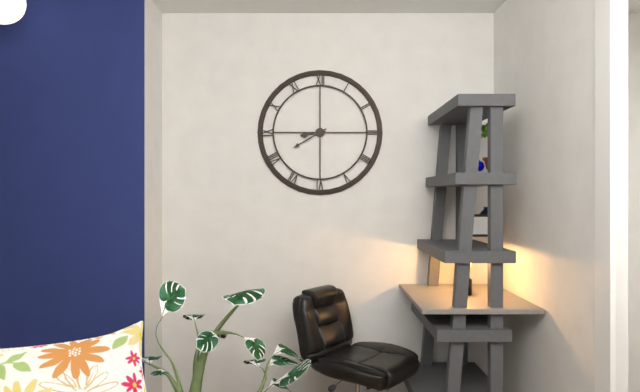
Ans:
**8:40**
